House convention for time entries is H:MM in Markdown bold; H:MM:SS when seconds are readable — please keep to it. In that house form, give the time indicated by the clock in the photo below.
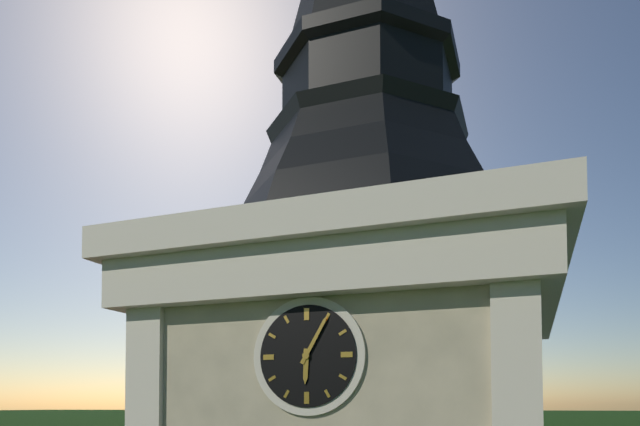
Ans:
**6:05**
